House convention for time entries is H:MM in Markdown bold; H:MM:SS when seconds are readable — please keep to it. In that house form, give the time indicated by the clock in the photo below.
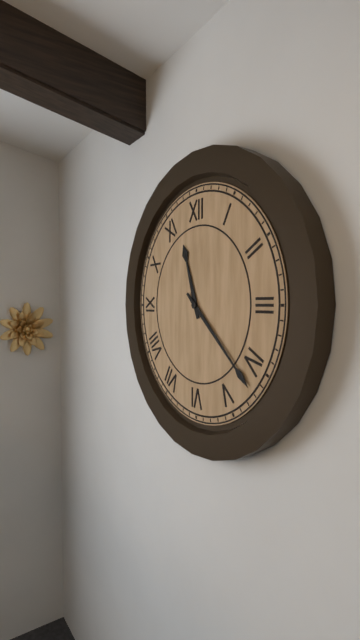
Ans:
**11:22**
